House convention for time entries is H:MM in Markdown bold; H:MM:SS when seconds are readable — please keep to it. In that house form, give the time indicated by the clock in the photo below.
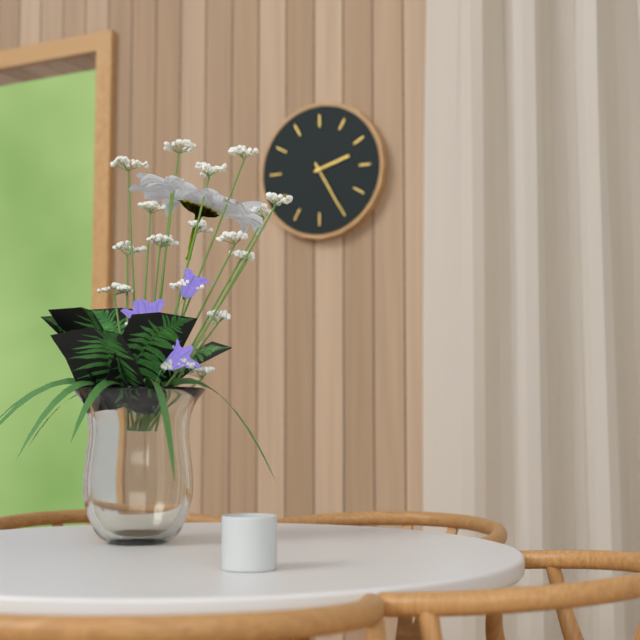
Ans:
**2:25**
